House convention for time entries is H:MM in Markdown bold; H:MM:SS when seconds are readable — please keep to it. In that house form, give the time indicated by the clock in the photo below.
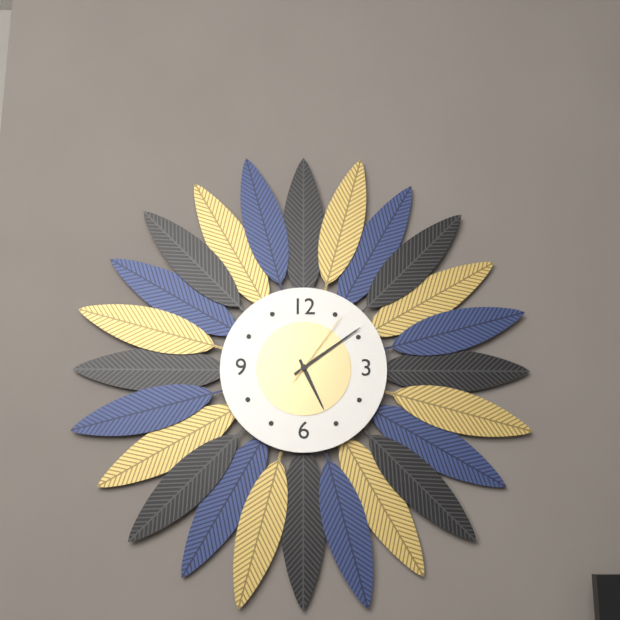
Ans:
**5:09:06**
